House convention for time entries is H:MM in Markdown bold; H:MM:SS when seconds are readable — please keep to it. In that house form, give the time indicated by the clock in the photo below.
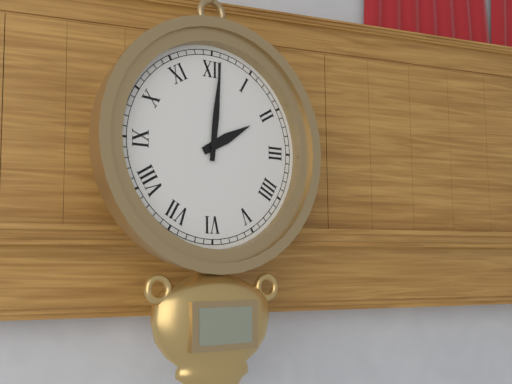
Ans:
**2:01**
